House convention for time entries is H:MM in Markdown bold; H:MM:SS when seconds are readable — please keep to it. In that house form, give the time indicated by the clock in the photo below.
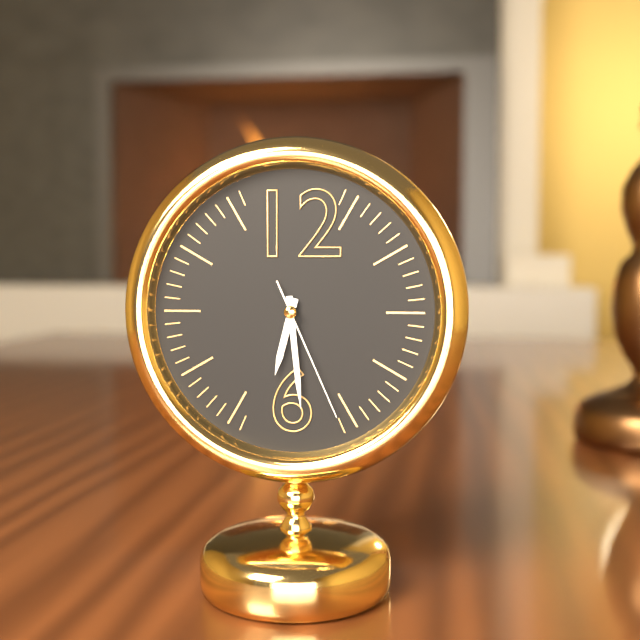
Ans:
**6:29:26**
